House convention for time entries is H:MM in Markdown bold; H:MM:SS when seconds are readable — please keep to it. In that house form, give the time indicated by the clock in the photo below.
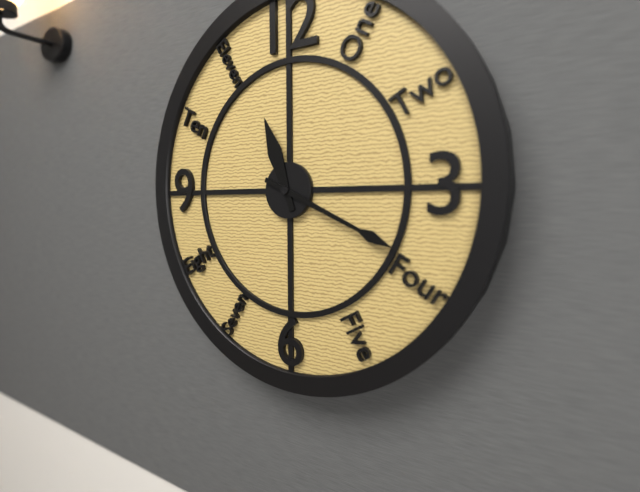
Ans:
**11:19**
